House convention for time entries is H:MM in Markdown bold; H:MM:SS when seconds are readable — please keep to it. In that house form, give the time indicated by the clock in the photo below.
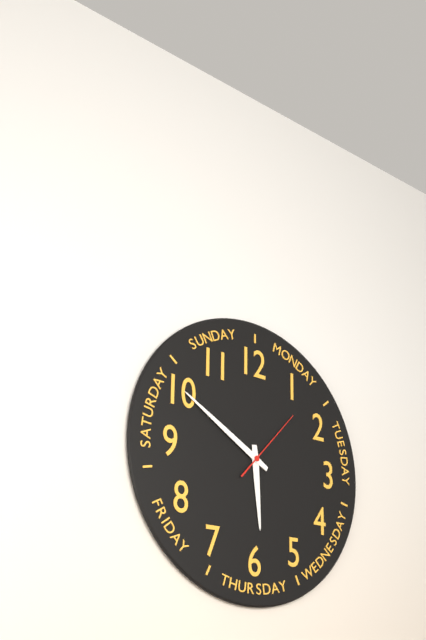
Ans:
**5:50:07**
